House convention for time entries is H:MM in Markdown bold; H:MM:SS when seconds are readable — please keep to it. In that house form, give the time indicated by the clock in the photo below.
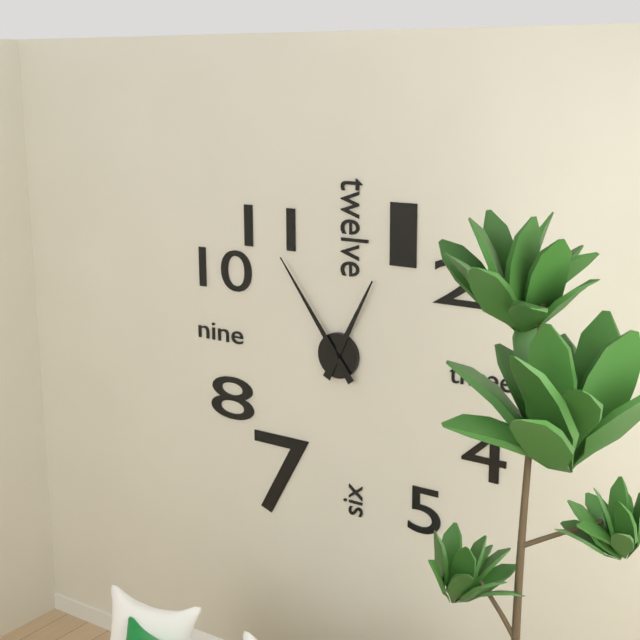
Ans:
**12:54**
